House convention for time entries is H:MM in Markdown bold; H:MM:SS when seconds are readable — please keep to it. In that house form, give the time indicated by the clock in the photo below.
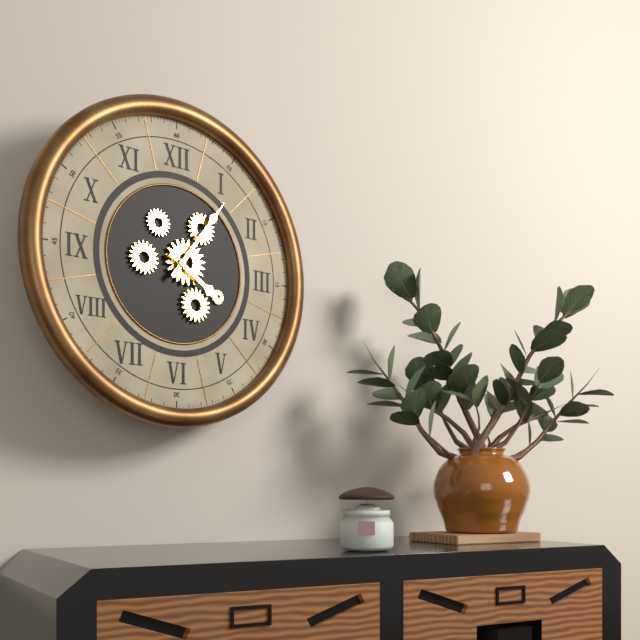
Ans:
**4:06**
